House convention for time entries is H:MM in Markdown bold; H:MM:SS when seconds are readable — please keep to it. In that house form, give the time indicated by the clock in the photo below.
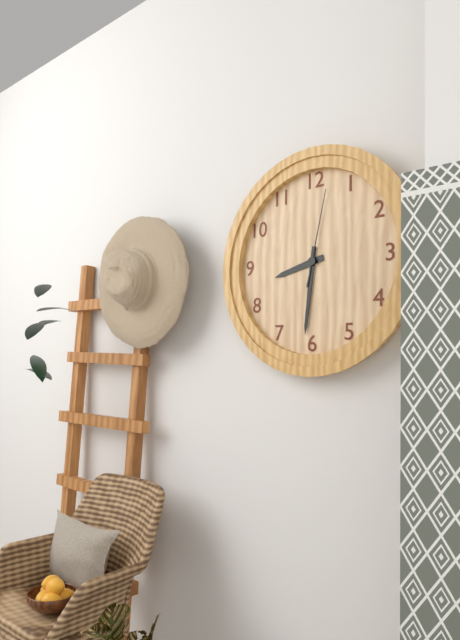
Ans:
**8:31:02**
